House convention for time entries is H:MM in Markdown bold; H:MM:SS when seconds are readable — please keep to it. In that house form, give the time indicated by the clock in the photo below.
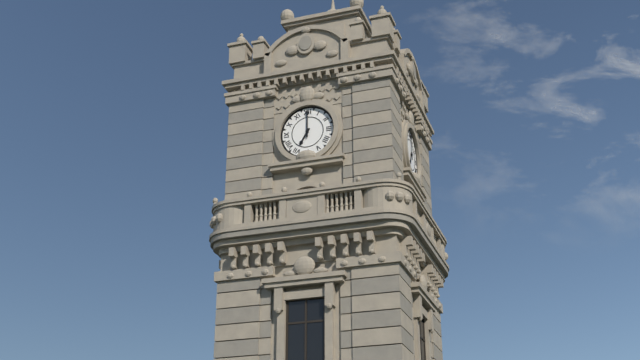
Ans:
**7:00**
